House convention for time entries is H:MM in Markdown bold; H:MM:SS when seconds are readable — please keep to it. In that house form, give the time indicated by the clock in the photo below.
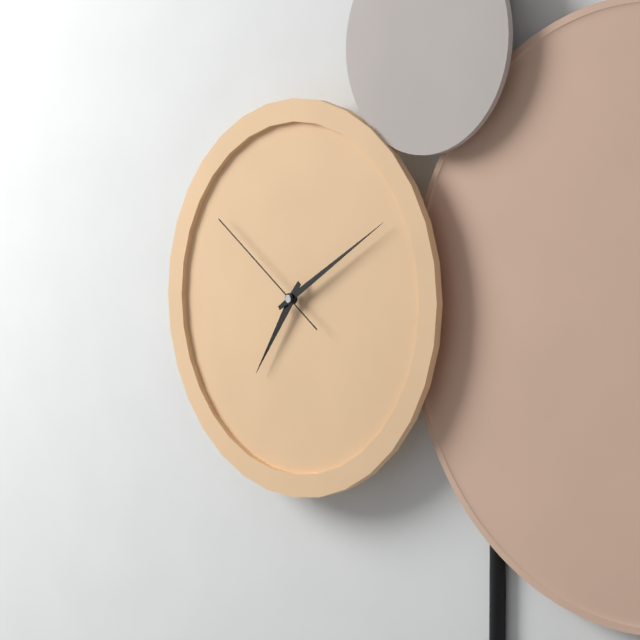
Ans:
**7:10:51**
